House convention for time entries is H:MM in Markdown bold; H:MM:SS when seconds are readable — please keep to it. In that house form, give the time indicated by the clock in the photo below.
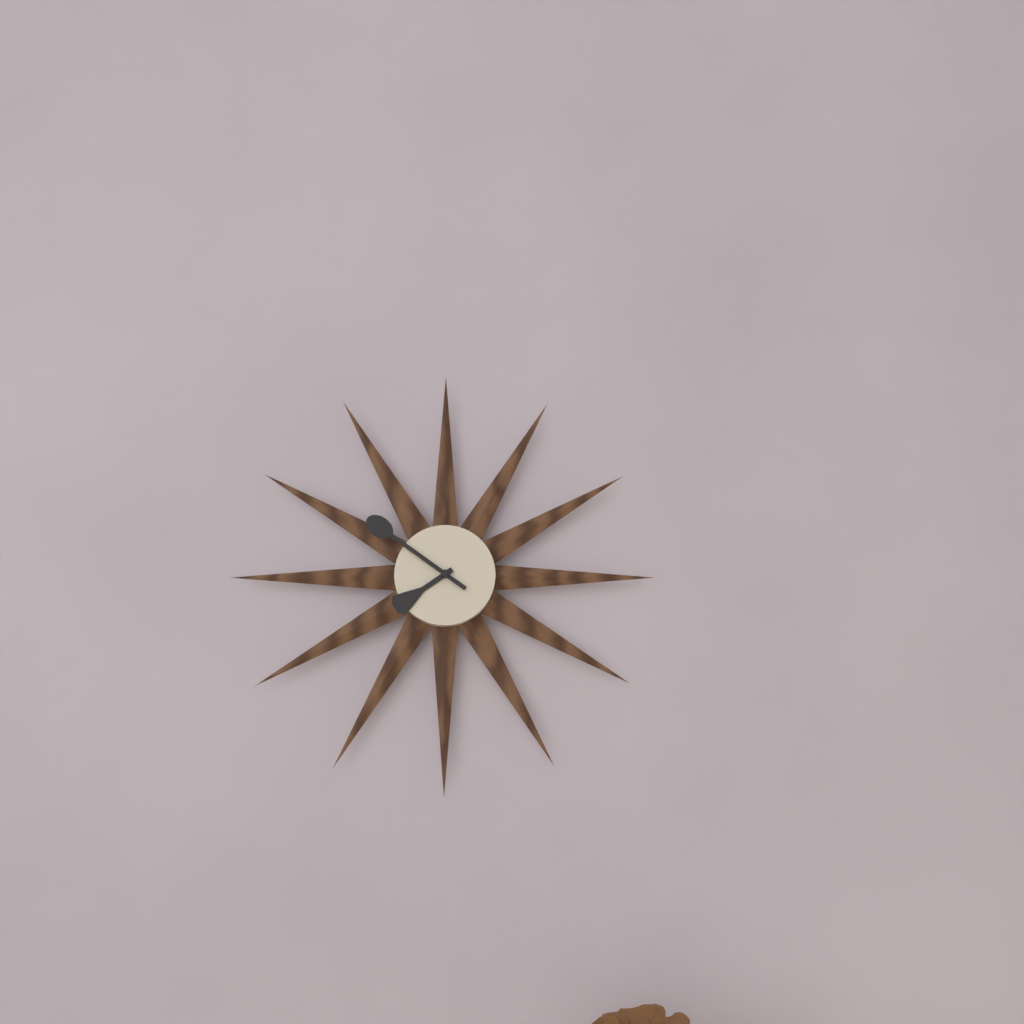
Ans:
**7:51**
